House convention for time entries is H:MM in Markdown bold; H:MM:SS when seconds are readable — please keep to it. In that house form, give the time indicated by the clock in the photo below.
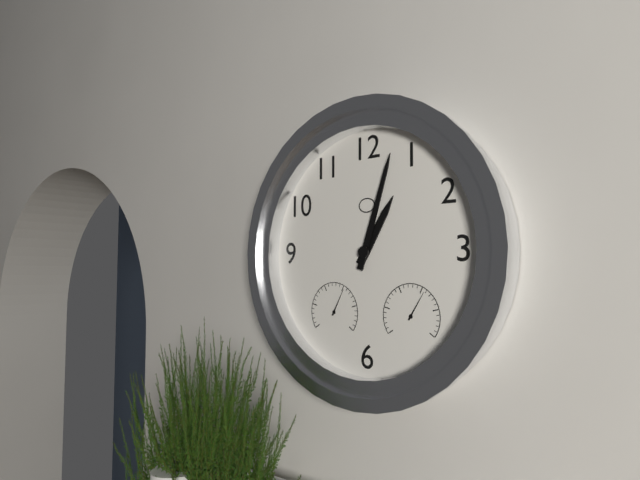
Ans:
**1:03**
